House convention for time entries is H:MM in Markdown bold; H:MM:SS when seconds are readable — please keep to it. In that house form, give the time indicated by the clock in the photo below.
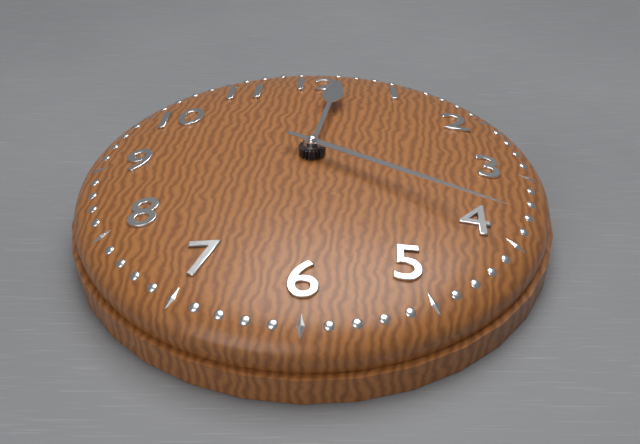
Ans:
**12:20**
